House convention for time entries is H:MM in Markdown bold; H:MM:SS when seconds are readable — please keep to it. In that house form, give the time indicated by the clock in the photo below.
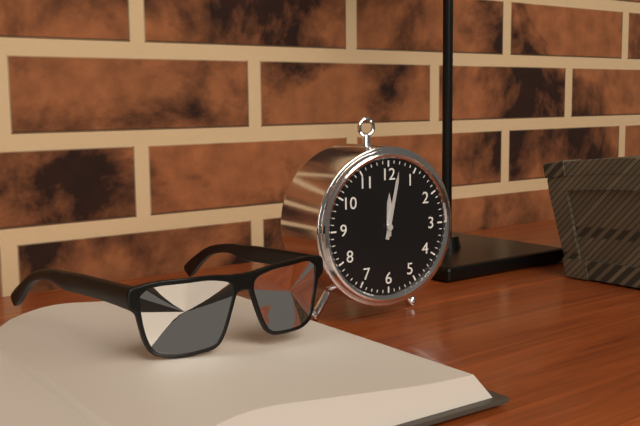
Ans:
**12:02**
